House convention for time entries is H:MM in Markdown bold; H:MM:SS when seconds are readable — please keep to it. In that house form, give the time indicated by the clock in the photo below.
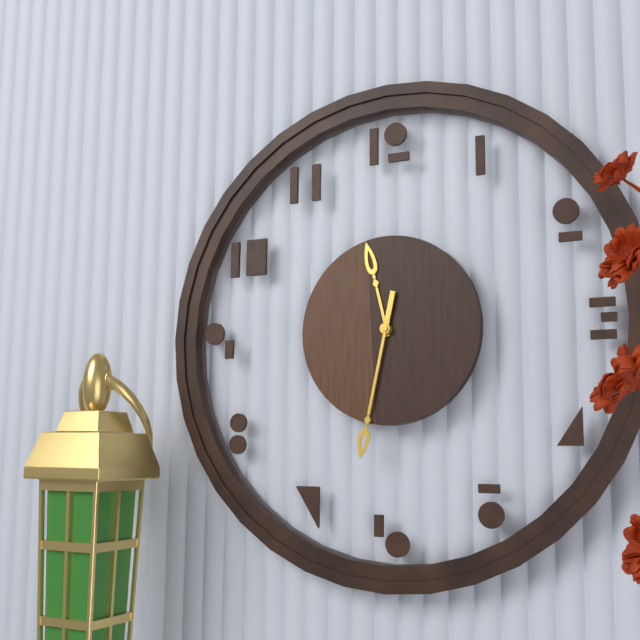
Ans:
**11:32**
